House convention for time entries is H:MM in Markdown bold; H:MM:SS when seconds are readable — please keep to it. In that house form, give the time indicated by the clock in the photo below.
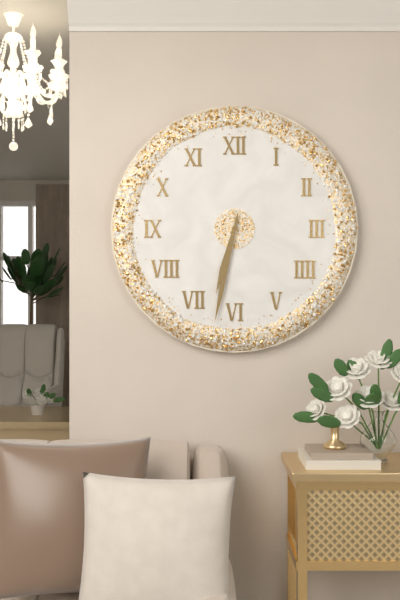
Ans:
**6:32**
